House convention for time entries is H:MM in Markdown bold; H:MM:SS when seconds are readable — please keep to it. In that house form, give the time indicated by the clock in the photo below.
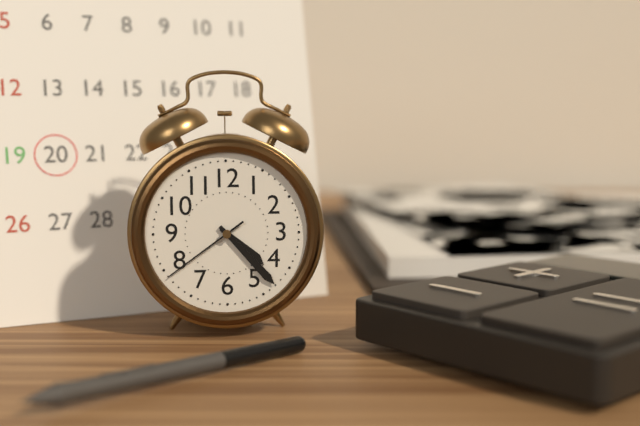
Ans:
**4:23:39**
